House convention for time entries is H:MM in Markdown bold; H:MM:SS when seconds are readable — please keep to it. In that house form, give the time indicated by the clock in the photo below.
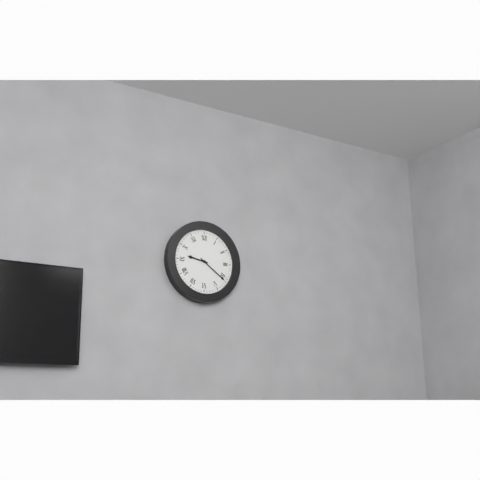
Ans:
**9:21**
